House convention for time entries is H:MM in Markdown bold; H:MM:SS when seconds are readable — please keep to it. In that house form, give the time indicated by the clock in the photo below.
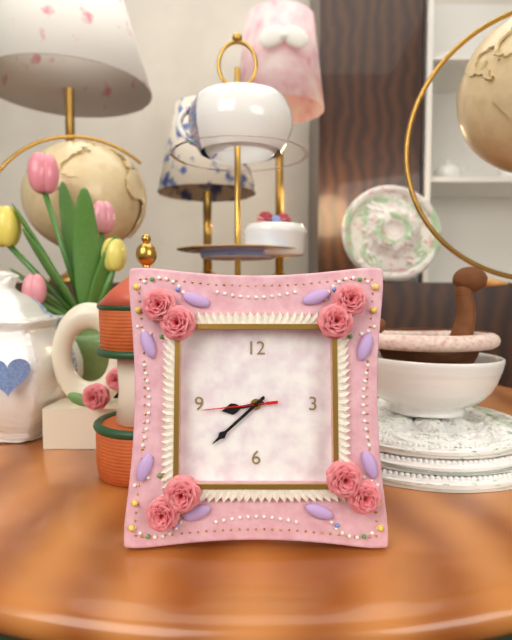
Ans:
**8:38:44**
